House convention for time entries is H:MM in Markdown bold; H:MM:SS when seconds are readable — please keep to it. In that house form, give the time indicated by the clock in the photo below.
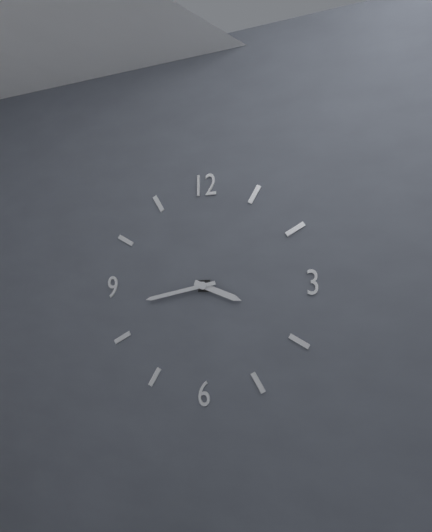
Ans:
**3:43**
